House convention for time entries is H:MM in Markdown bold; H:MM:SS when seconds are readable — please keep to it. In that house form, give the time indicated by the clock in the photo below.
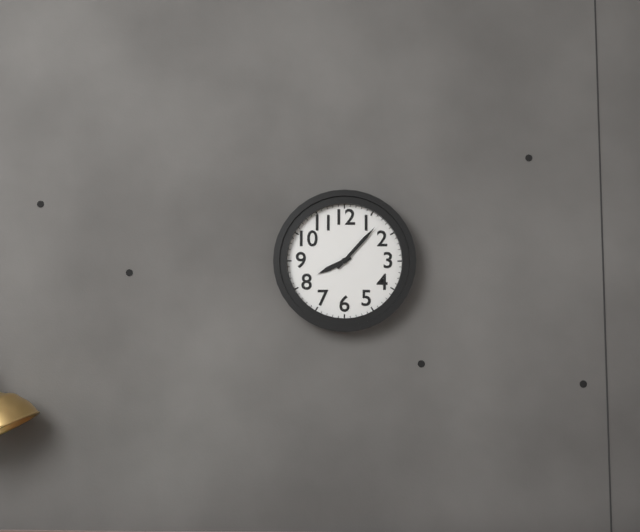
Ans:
**8:07**
